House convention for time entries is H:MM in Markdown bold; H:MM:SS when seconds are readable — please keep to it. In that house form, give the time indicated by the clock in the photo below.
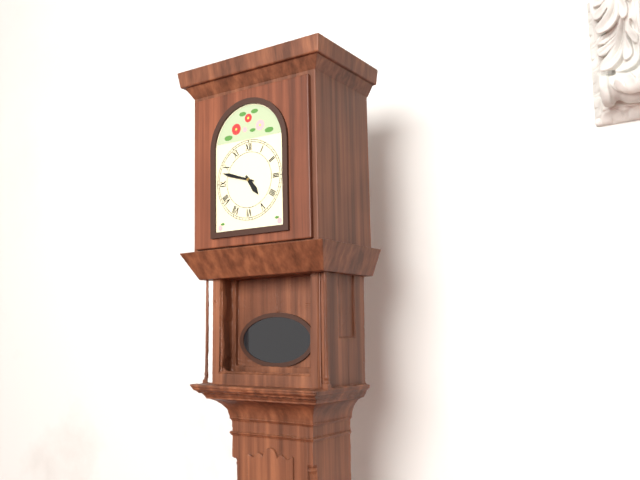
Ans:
**4:48**
